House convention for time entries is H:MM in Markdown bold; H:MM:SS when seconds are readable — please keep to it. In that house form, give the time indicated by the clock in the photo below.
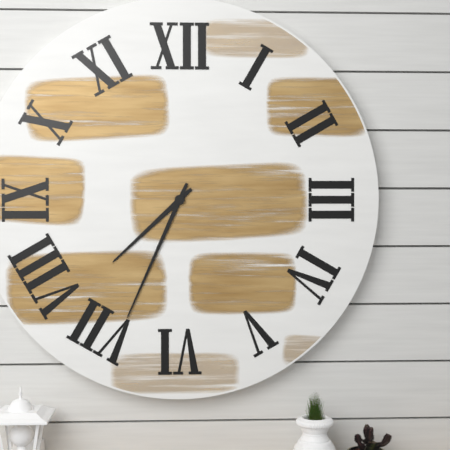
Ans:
**7:34**
